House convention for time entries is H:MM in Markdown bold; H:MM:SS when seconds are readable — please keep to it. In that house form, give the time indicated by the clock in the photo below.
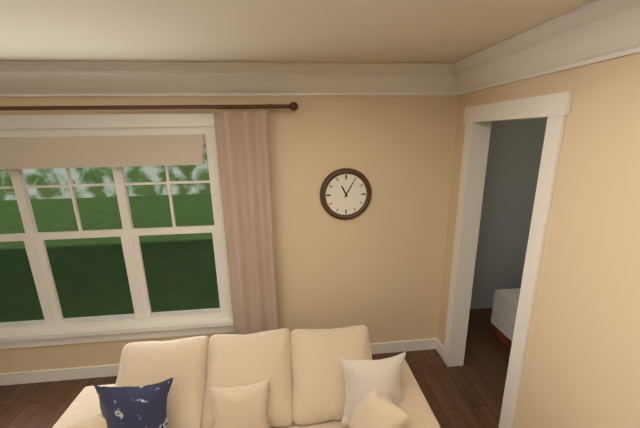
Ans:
**11:05**
